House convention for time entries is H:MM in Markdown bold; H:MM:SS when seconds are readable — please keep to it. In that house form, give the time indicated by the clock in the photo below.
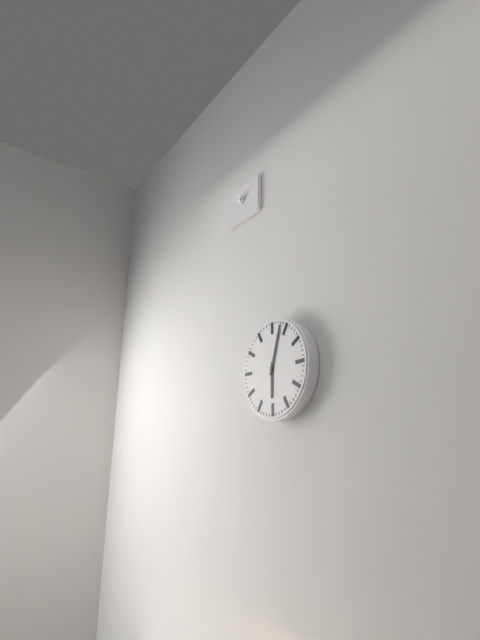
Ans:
**6:03**
